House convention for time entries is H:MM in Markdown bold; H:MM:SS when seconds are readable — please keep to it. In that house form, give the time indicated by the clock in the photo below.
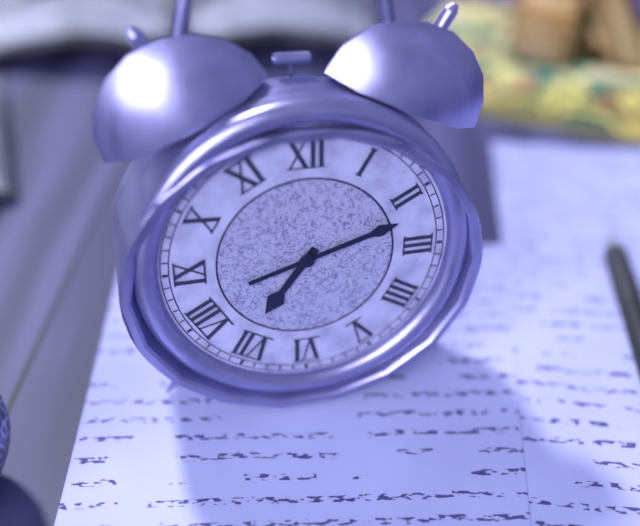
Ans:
**7:12**
